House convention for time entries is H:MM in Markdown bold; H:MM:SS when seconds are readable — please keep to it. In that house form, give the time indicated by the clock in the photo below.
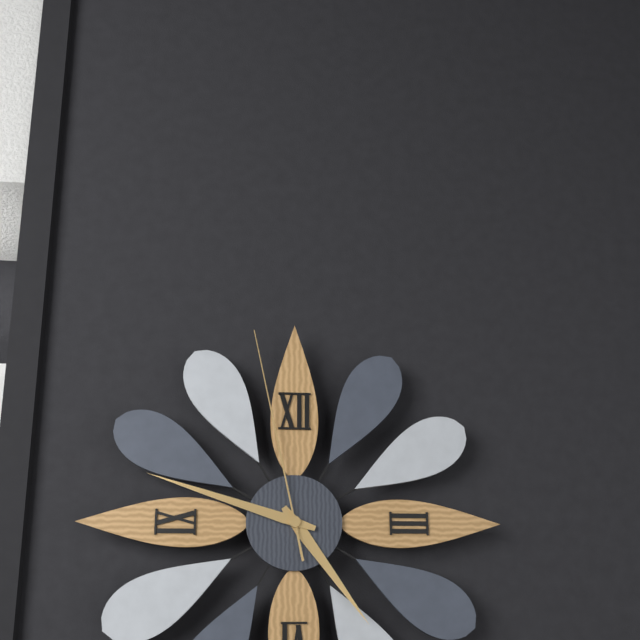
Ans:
**4:48:58**
